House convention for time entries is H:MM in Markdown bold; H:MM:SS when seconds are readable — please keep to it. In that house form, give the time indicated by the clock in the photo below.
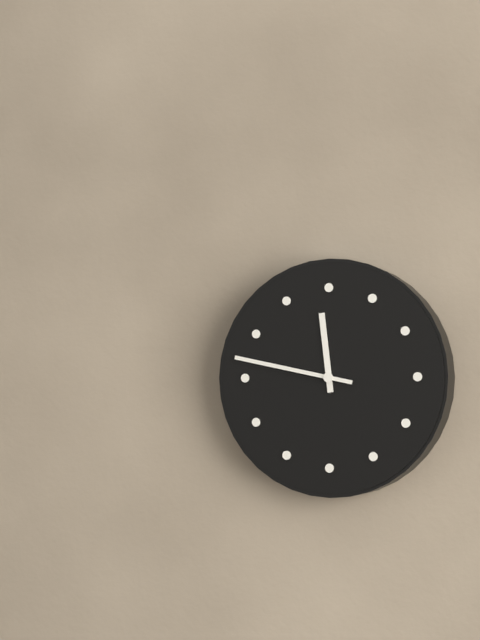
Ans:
**11:47**
